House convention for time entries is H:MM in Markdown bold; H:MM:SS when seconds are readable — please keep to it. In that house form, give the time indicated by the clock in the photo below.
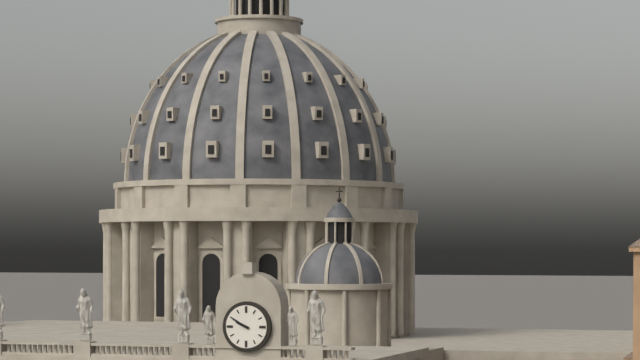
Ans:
**9:50**
